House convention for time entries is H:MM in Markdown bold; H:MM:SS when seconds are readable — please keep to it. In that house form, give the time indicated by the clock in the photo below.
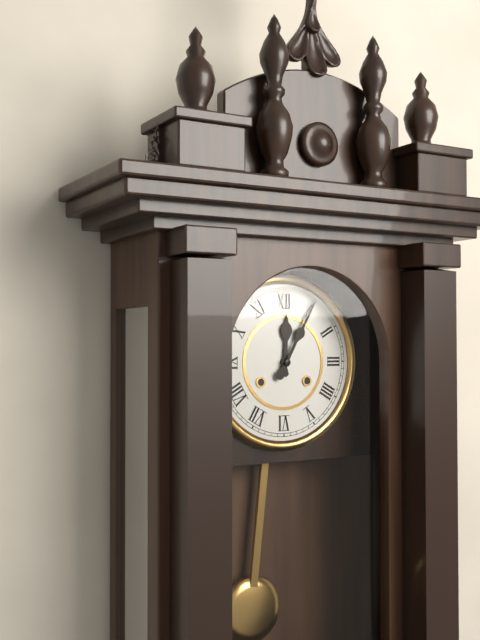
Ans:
**12:05**
